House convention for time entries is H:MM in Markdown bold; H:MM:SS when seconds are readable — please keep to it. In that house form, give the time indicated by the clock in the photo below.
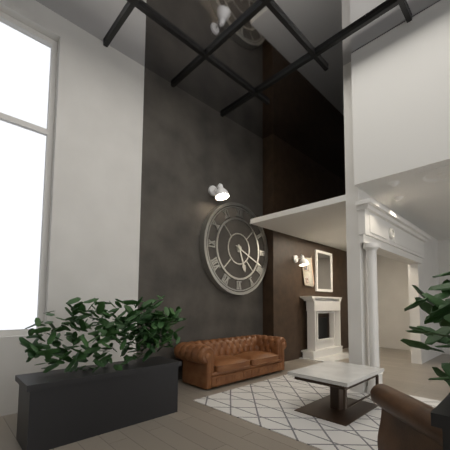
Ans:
**5:19**
